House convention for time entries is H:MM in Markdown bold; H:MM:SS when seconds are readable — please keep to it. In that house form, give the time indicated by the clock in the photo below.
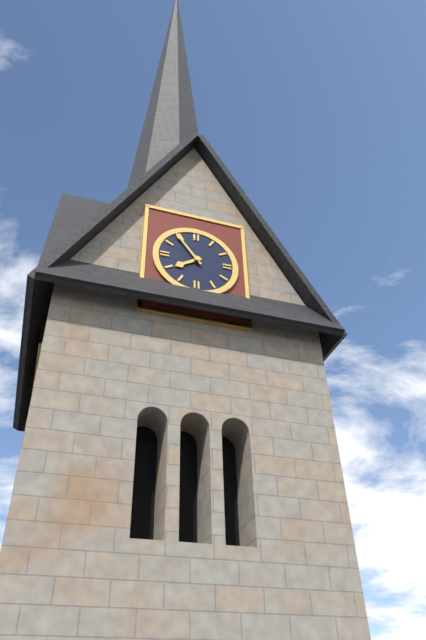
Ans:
**7:54**
